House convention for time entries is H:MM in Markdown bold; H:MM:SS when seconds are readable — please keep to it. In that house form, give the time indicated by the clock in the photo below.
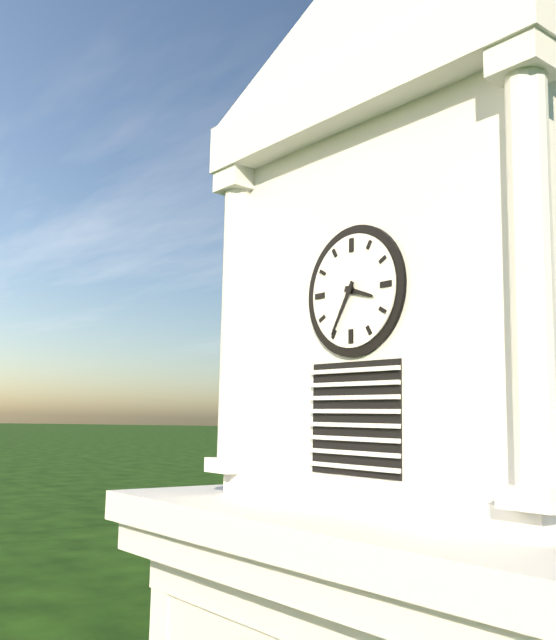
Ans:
**3:35**
